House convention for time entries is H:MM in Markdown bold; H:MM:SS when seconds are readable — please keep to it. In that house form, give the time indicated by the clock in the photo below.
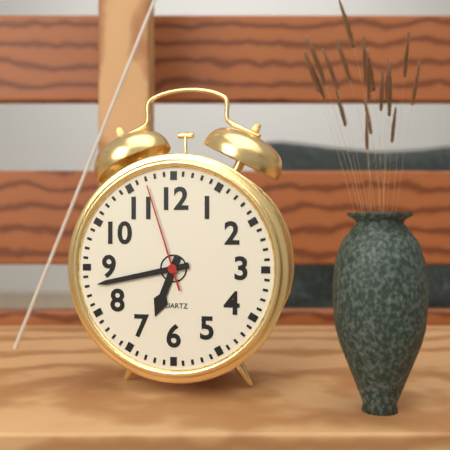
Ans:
**6:43:57**
